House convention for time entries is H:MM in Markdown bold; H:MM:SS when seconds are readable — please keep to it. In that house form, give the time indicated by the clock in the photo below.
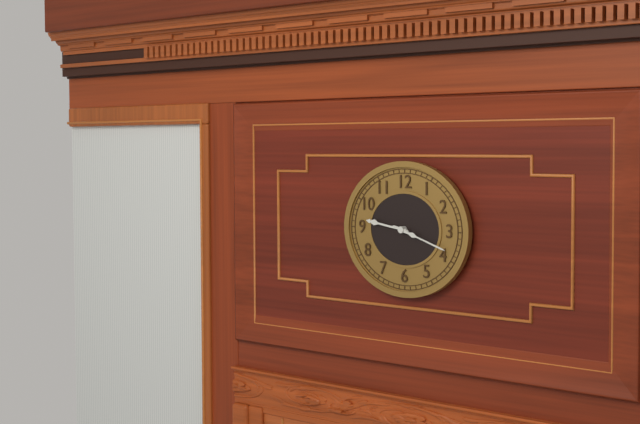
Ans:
**9:18**
